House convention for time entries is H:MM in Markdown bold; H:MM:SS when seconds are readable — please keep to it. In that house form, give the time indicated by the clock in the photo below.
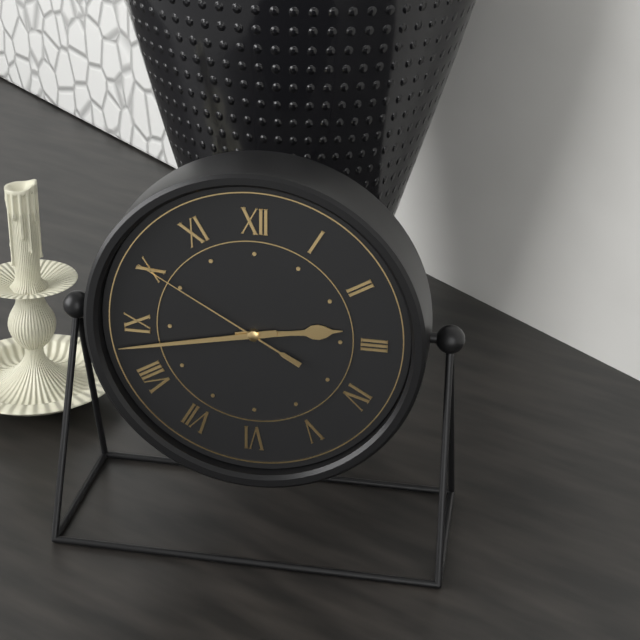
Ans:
**2:43:50**
